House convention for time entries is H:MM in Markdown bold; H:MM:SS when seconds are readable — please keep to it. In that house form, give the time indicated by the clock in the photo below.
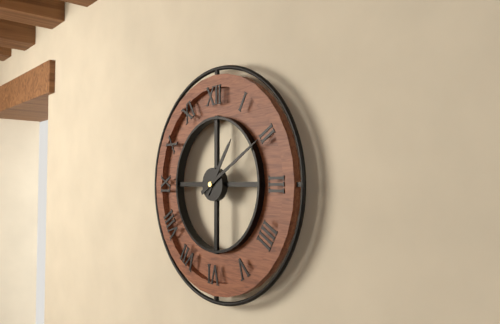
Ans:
**1:10**
